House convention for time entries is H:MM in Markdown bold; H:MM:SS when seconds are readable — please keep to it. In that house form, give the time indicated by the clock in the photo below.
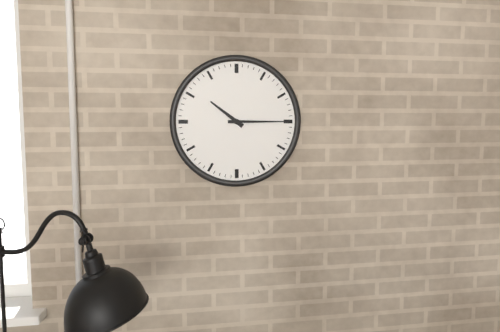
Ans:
**10:15**
